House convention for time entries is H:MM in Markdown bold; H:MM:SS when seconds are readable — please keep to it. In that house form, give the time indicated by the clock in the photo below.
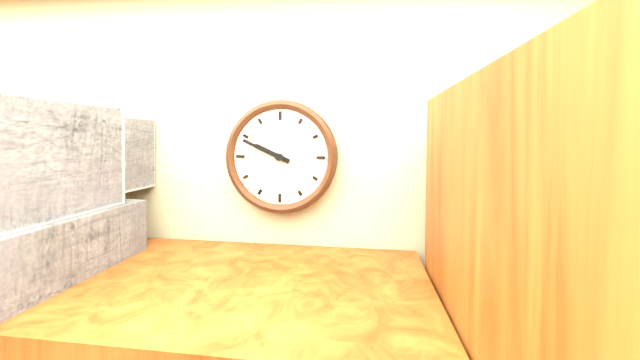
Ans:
**9:49**
